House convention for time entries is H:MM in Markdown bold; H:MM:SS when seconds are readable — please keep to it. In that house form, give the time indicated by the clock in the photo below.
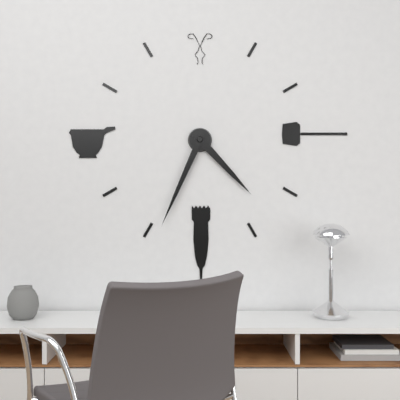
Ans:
**4:34**
